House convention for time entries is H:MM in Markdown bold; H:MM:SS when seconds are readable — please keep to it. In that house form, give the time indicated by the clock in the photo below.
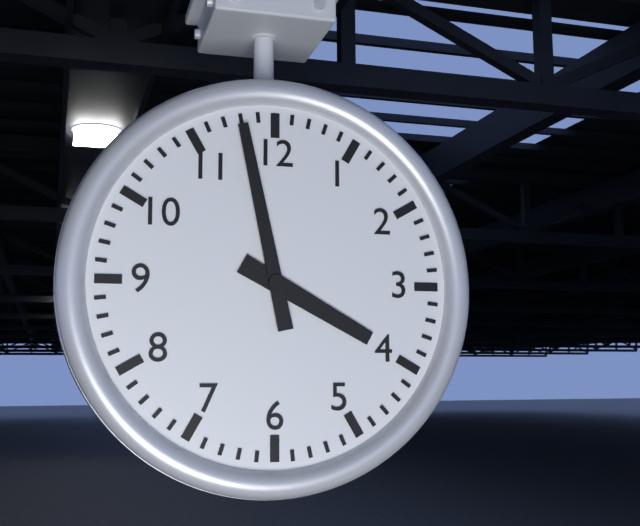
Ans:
**3:58**
